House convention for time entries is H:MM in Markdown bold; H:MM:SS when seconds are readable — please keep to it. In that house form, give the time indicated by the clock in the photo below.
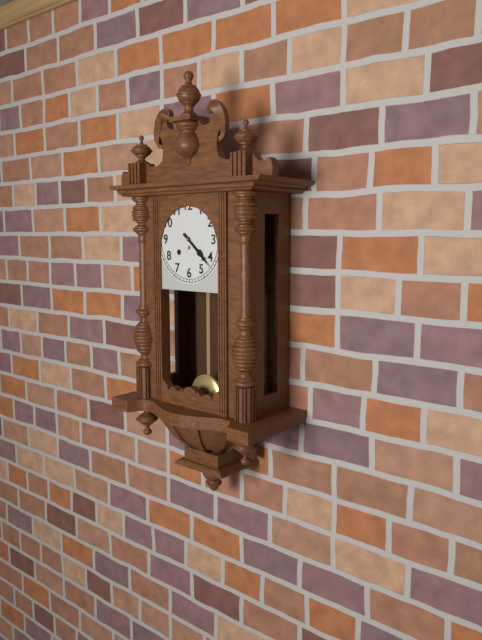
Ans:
**4:22**
